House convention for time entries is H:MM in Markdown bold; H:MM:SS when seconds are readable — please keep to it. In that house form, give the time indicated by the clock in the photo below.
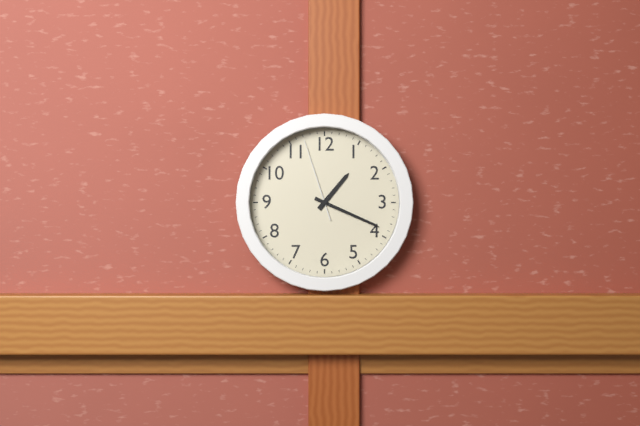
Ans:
**1:19:57**
